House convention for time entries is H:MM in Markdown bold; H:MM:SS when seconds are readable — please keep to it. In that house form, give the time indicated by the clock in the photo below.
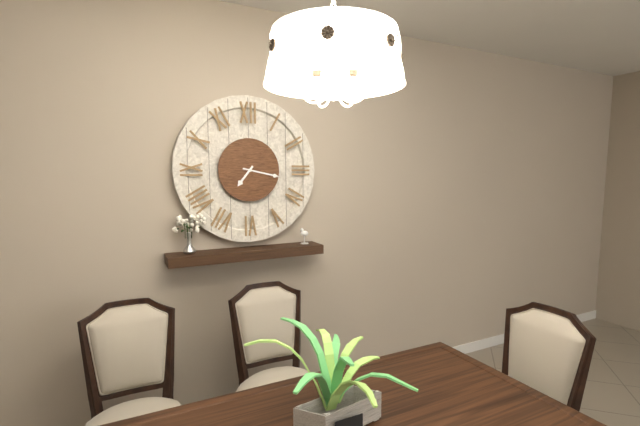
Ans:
**7:17**
